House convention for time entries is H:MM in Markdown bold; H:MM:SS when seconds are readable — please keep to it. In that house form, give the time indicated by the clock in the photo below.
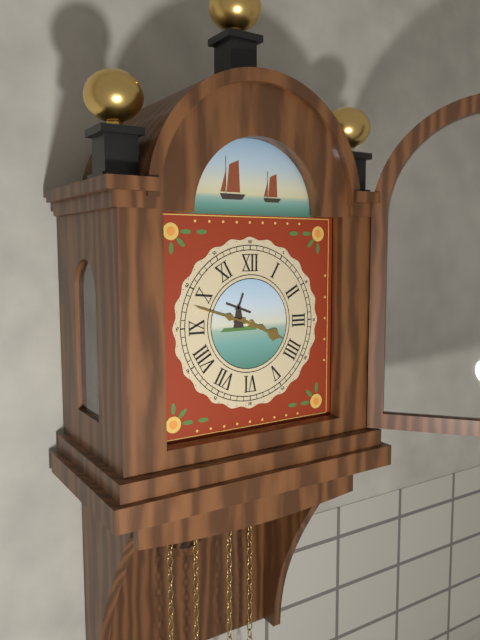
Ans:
**3:48**
